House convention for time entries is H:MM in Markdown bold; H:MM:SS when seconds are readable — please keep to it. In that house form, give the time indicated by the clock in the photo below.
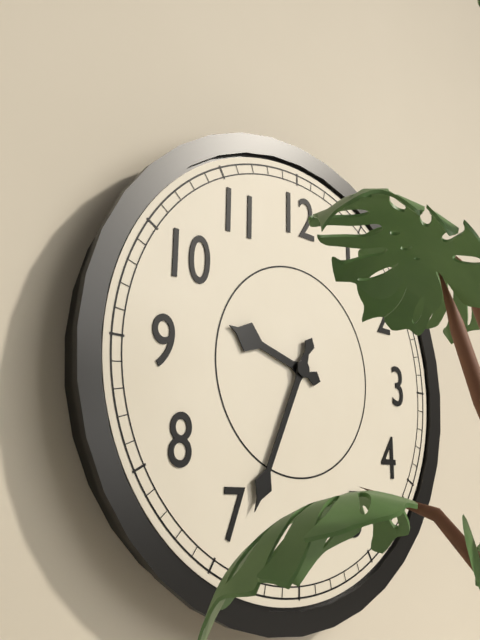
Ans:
**9:34**
